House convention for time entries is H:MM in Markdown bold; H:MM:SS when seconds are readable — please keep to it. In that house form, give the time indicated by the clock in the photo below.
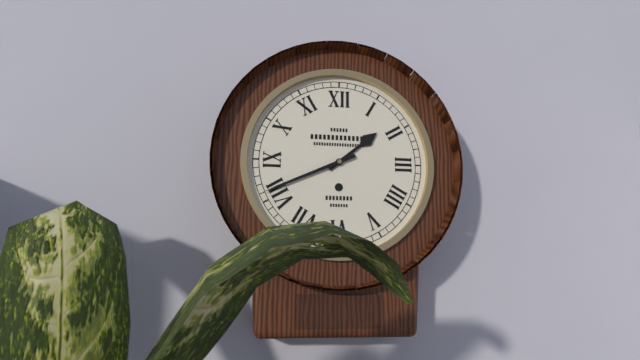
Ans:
**1:41**
